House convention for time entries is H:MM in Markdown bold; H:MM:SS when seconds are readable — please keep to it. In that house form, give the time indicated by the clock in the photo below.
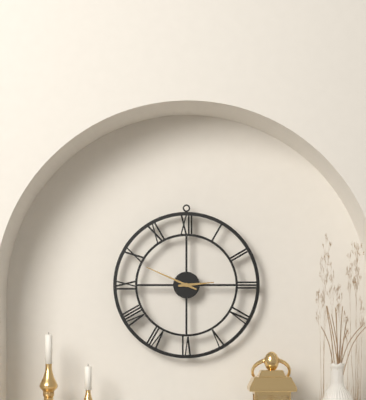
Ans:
**2:49**
